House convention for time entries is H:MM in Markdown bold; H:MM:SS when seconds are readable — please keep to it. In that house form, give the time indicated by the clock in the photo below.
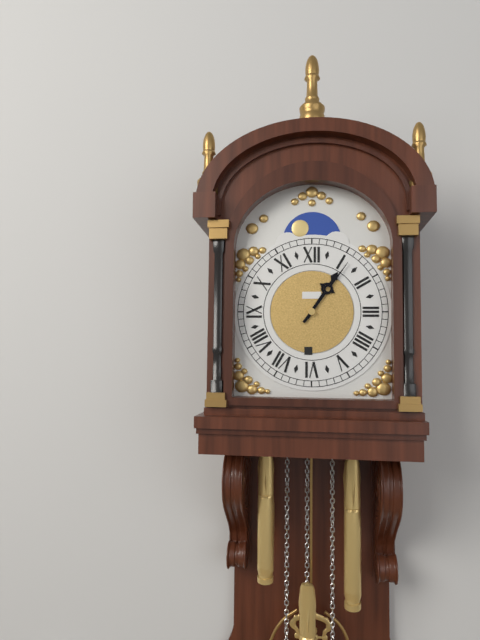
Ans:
**1:06**
